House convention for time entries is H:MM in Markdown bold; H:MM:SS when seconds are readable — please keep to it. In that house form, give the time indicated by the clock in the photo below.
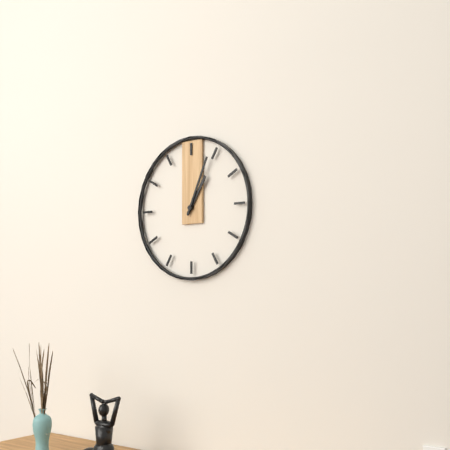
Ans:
**1:04**
